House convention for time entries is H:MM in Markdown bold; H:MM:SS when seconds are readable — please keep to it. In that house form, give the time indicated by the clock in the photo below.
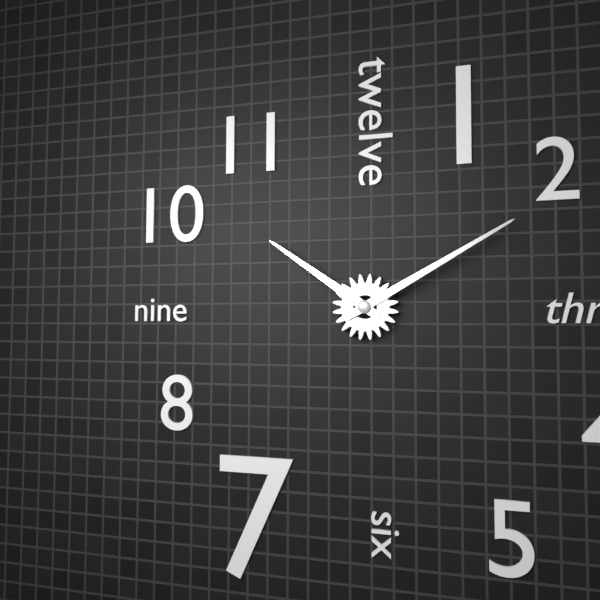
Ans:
**10:10**
